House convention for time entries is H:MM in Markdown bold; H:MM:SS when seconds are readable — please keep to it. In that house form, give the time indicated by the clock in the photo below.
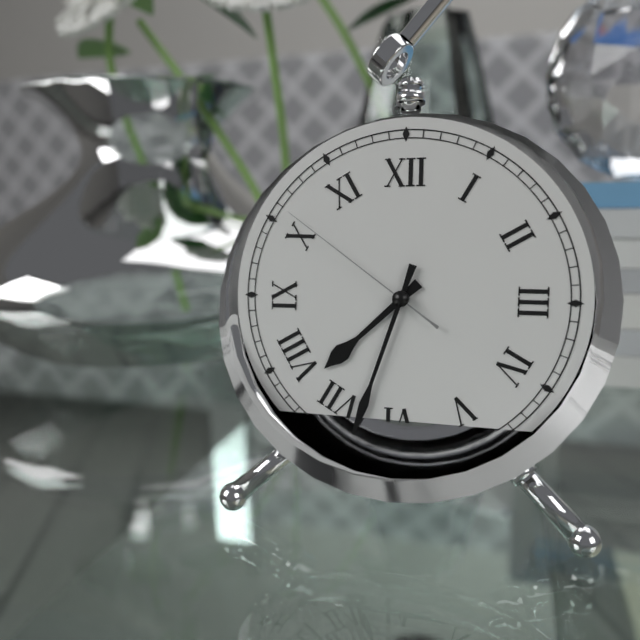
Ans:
**7:33:51**
